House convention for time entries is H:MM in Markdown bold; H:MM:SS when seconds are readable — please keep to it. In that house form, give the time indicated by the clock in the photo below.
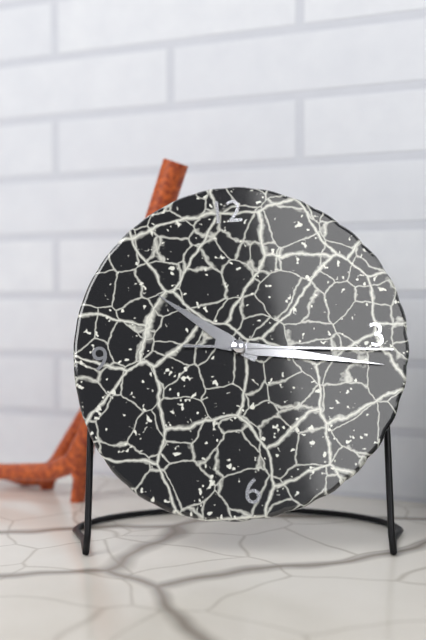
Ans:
**10:17:16**
